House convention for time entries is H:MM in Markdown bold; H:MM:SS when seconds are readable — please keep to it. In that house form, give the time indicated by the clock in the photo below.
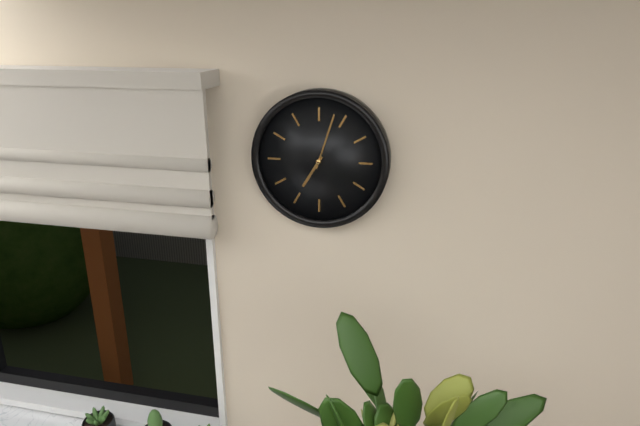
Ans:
**7:03**
